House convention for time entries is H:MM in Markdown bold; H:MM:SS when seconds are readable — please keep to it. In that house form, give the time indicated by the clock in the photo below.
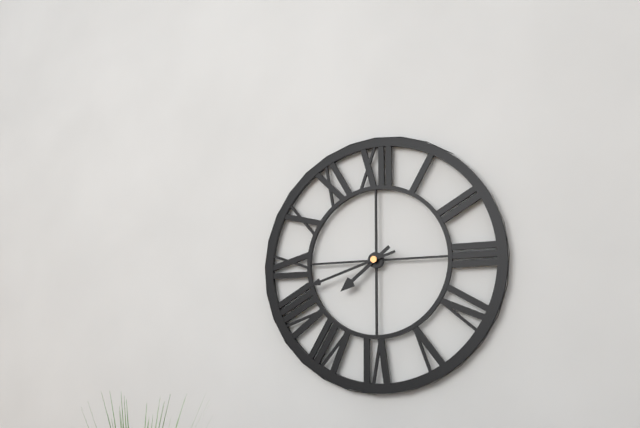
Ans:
**7:42**
